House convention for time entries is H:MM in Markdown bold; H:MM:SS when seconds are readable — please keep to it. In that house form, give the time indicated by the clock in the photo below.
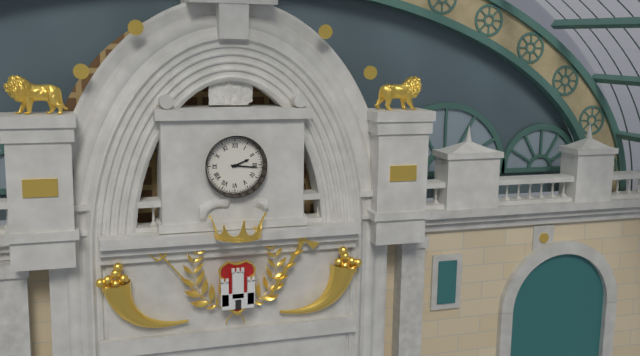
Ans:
**2:16**
